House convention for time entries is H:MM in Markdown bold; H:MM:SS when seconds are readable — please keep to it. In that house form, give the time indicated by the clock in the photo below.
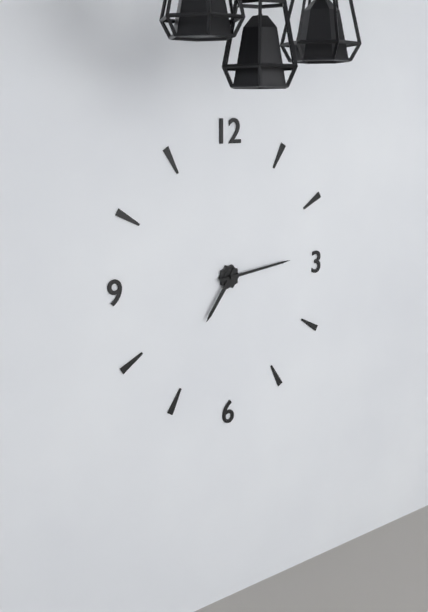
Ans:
**7:14**
